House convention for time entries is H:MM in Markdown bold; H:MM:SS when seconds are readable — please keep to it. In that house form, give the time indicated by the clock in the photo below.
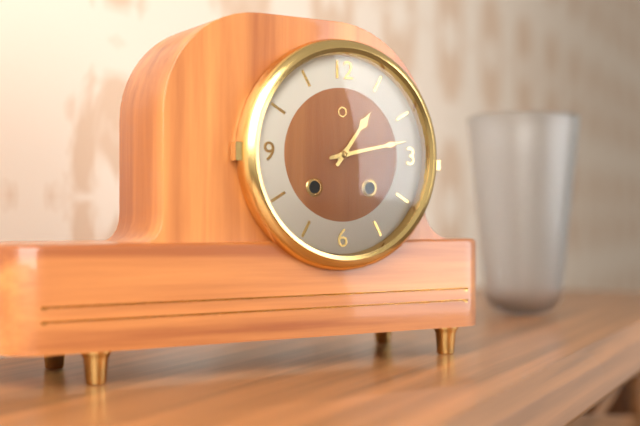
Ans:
**1:13**
